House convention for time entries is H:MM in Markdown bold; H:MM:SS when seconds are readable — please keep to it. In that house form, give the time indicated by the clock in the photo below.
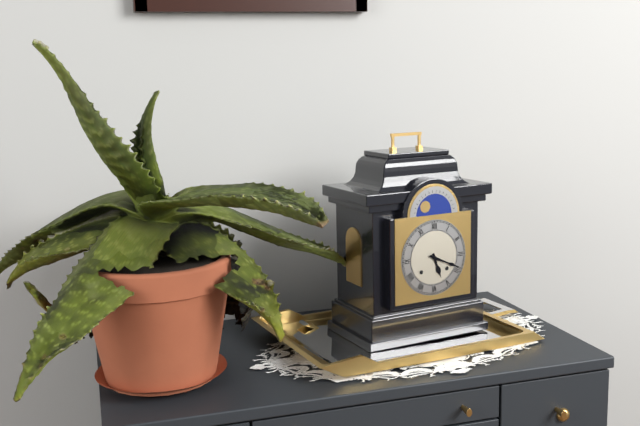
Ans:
**5:19**
